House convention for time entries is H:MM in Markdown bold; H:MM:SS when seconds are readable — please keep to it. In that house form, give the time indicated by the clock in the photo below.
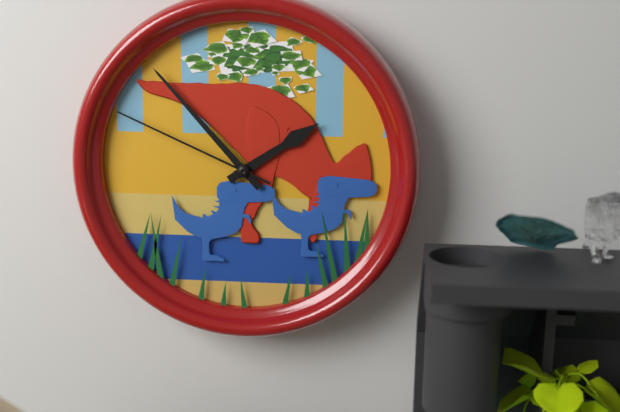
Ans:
**1:53:49**
